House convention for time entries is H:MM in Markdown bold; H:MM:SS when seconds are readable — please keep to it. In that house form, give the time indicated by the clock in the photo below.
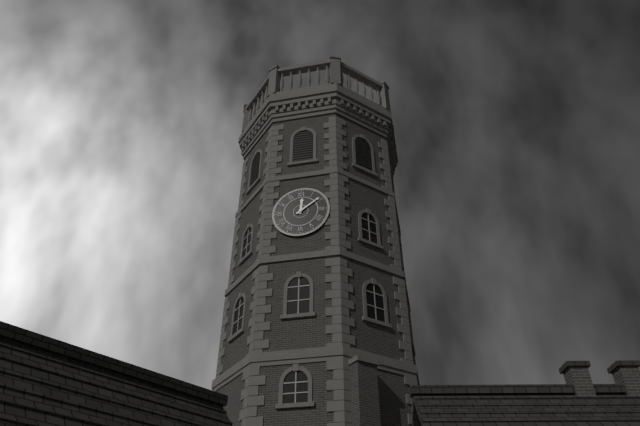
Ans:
**12:09**
